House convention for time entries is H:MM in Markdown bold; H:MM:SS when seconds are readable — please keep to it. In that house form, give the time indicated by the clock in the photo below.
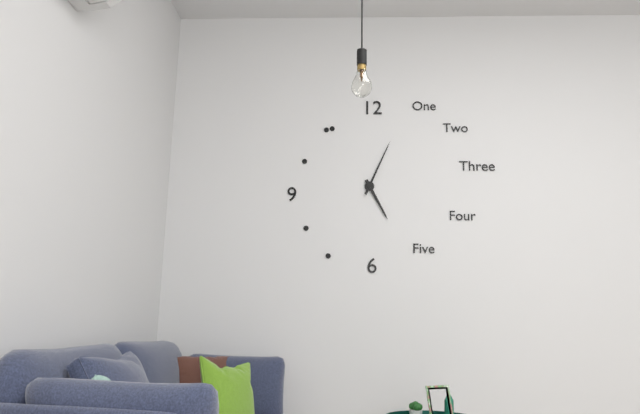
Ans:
**5:04**
